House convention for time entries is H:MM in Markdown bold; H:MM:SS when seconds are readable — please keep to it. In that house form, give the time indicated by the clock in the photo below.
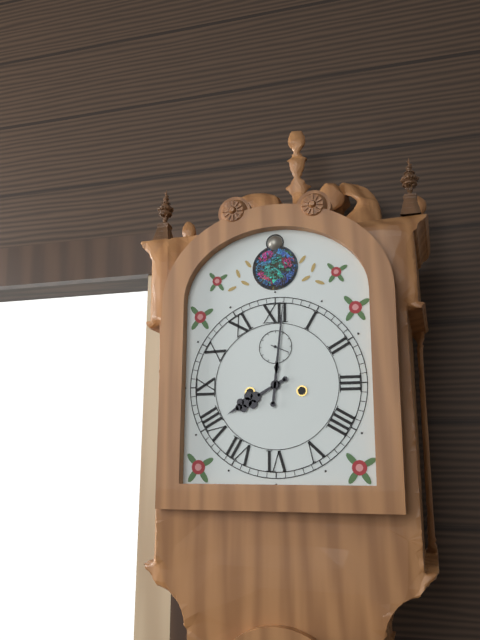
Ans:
**8:01**
